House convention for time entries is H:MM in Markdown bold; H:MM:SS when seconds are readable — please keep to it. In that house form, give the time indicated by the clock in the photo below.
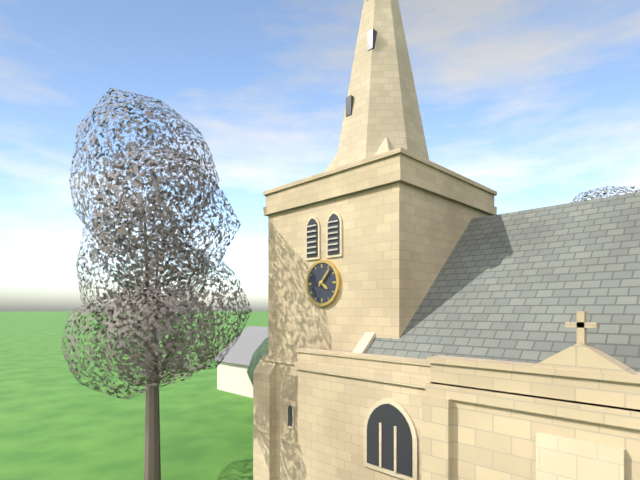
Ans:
**4:07**
